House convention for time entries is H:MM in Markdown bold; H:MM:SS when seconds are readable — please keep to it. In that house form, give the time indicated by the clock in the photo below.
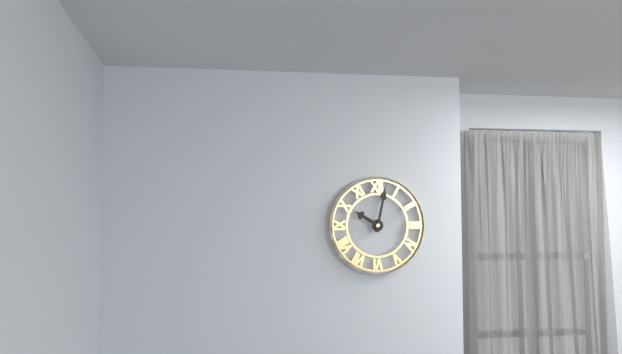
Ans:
**10:02**
